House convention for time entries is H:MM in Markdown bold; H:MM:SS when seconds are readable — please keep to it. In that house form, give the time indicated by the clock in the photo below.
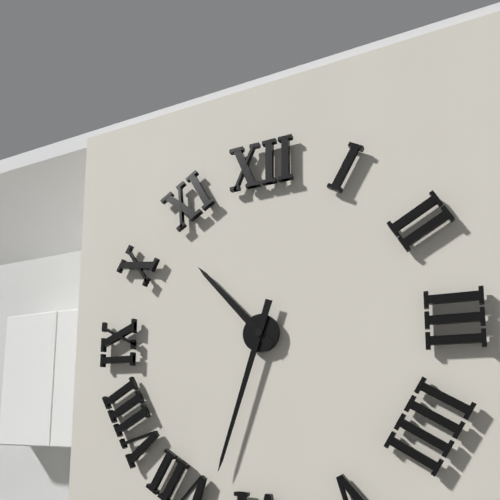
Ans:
**10:33**
